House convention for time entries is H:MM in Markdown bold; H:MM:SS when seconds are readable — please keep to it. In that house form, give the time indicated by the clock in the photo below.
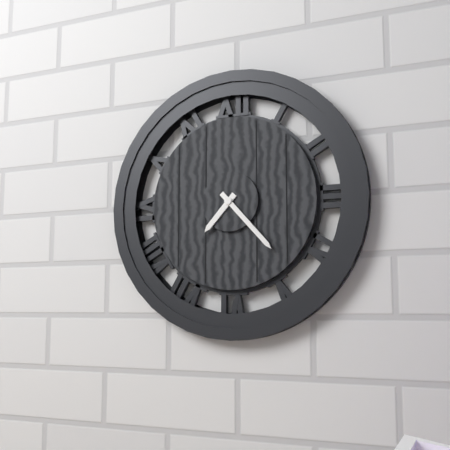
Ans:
**7:23**
